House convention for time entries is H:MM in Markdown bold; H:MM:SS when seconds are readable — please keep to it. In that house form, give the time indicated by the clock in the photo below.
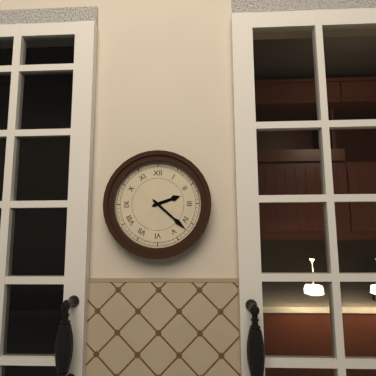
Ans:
**2:22**
